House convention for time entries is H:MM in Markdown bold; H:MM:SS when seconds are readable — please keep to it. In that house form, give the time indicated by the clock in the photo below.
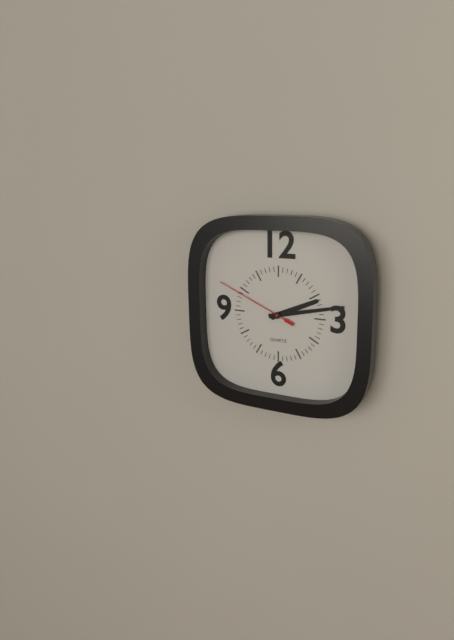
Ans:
**2:13:49**
